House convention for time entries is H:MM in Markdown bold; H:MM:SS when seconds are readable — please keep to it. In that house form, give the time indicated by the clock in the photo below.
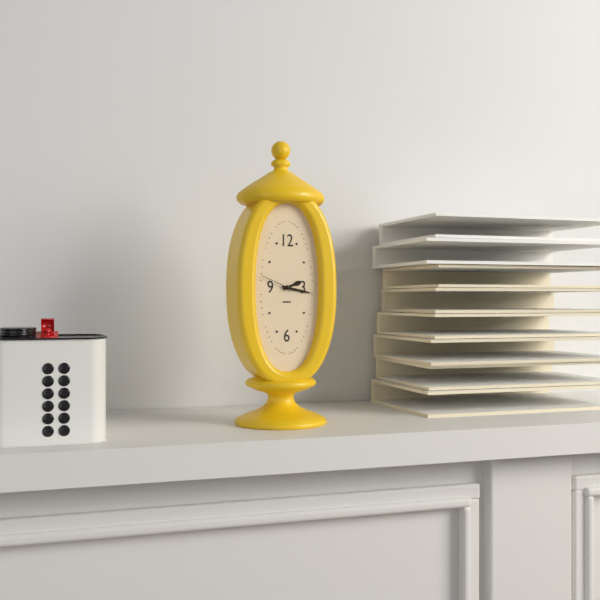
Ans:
**2:17**
